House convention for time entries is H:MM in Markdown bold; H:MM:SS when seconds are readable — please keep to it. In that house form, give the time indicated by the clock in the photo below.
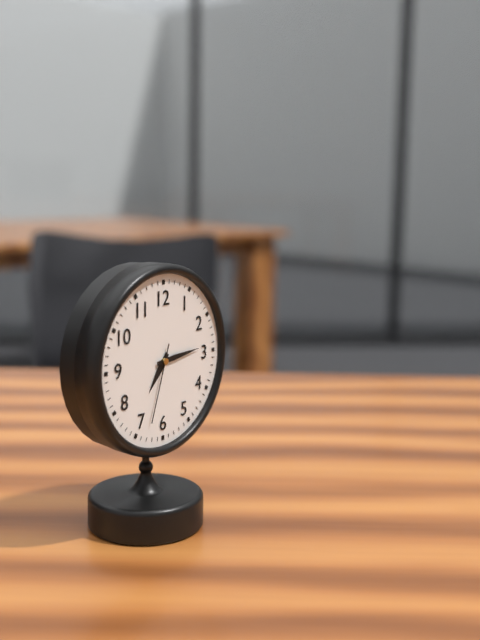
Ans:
**7:14:33**
